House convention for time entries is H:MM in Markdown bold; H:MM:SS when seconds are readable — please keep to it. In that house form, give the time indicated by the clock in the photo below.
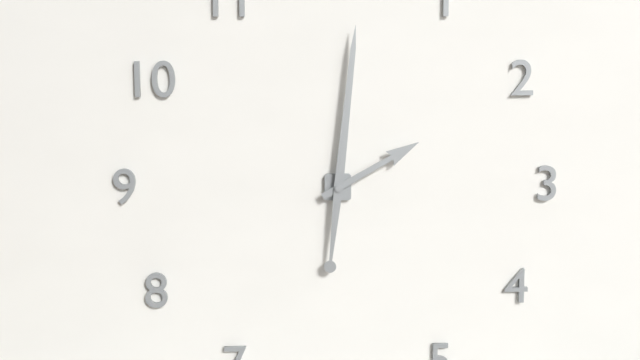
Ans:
**2:01**
